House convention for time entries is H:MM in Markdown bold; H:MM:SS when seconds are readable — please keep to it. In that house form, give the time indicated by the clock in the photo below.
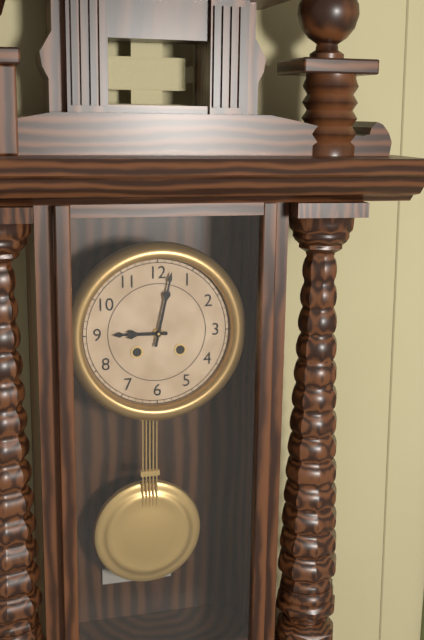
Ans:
**9:02**
